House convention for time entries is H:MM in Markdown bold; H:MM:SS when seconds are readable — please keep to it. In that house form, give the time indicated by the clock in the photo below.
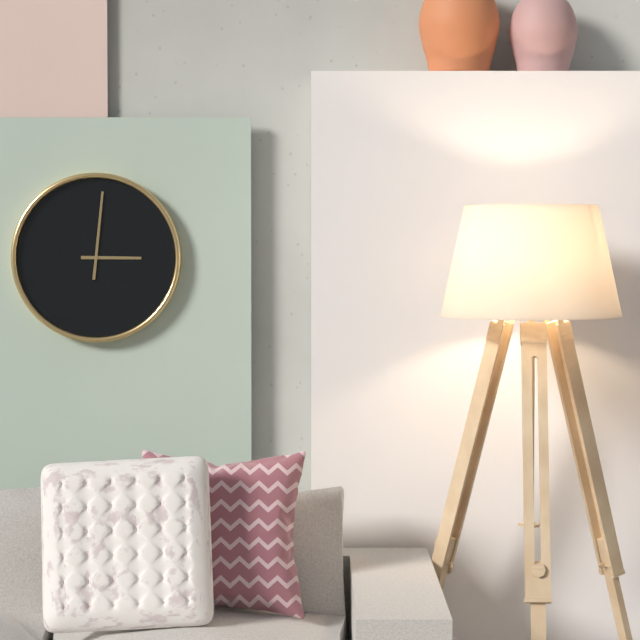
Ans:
**3:01**
